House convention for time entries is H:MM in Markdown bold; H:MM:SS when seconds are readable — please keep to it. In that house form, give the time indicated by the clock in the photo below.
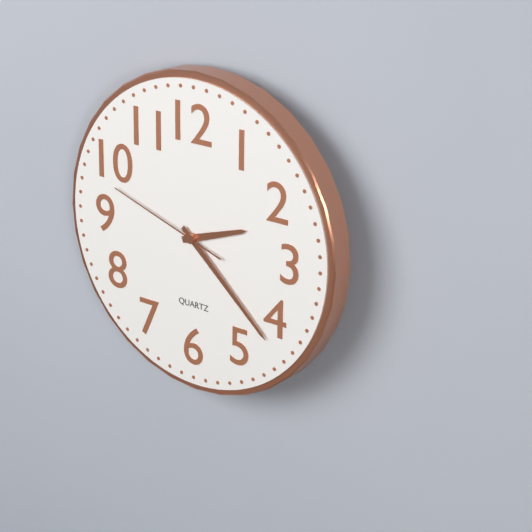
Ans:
**2:22:48**
